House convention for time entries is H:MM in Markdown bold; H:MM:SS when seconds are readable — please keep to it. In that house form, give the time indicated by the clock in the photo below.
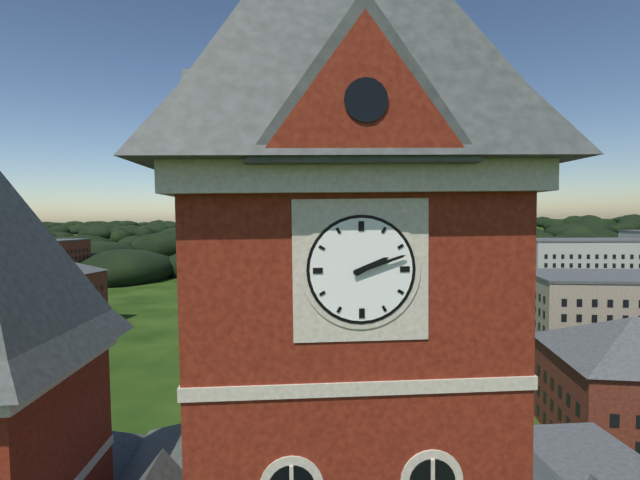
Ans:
**2:12**
